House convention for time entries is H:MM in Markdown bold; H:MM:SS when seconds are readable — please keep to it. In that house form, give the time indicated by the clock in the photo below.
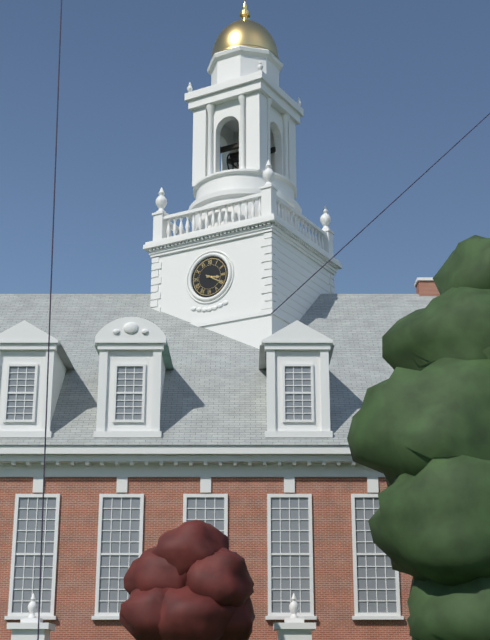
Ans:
**3:20**
